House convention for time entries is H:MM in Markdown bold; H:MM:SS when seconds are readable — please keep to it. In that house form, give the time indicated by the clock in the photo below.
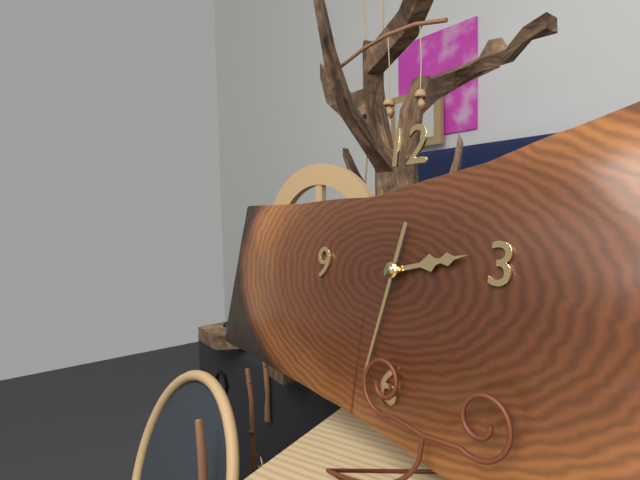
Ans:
**2:32**
